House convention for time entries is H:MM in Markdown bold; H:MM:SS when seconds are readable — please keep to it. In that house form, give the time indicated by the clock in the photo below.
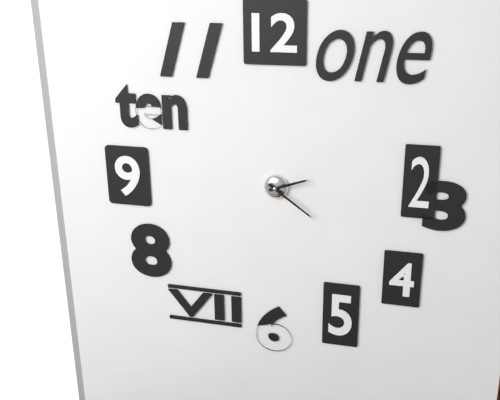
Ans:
**2:21**
